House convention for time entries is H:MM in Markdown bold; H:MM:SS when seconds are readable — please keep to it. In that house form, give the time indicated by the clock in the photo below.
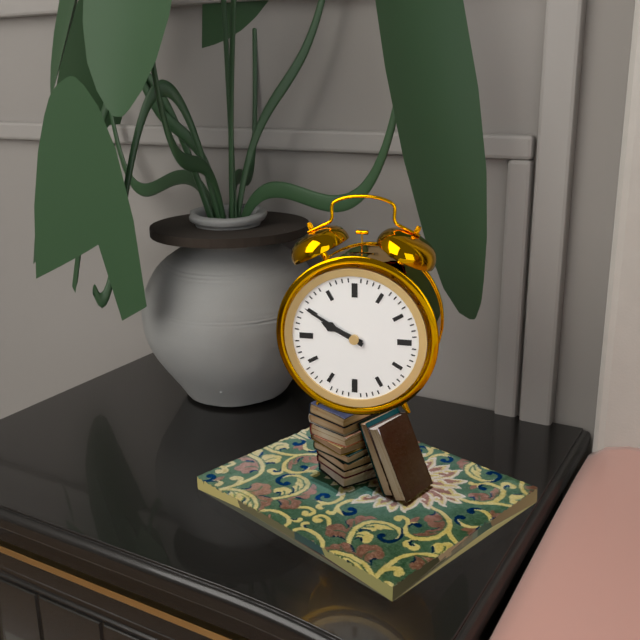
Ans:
**9:50**
